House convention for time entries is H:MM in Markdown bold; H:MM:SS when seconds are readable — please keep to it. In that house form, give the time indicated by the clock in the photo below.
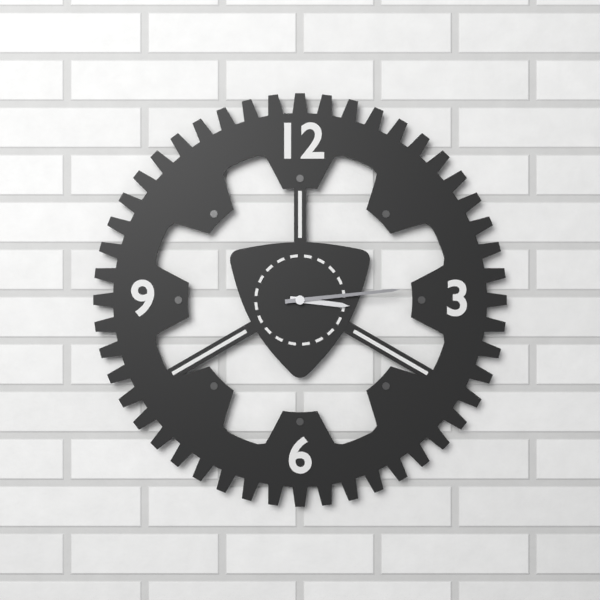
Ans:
**3:14**
